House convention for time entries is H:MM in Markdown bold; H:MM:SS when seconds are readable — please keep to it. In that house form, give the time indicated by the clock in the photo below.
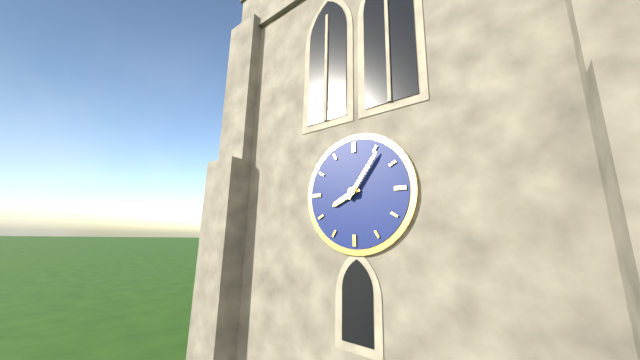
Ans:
**8:06**
